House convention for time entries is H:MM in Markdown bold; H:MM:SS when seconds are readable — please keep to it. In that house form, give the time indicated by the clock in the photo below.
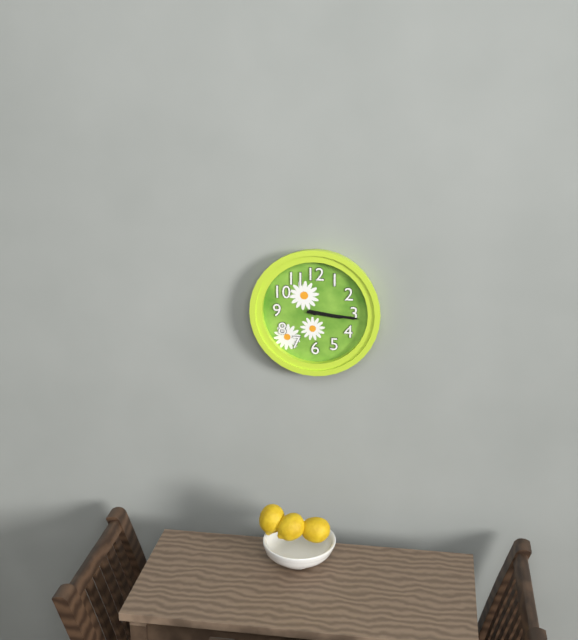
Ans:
**3:16**
